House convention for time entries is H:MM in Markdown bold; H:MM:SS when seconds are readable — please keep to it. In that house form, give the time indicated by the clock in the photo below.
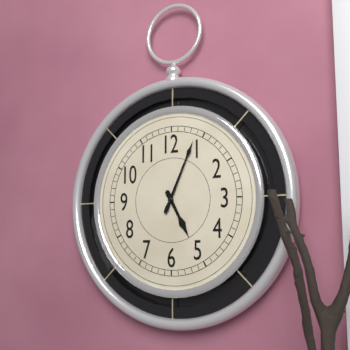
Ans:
**5:04**
